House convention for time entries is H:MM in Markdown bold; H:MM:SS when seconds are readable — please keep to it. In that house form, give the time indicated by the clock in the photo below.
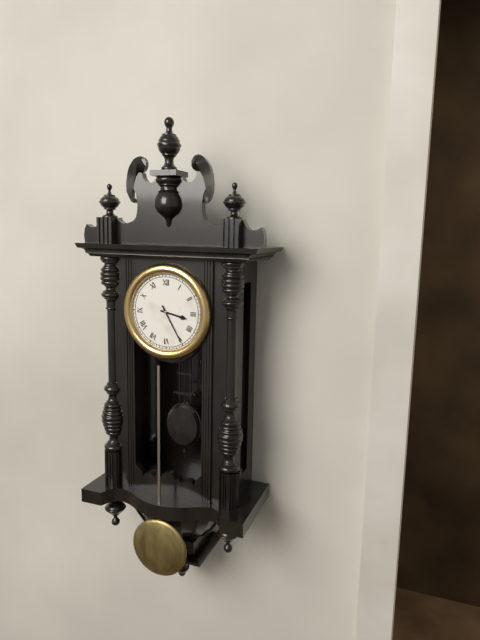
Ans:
**3:25**
